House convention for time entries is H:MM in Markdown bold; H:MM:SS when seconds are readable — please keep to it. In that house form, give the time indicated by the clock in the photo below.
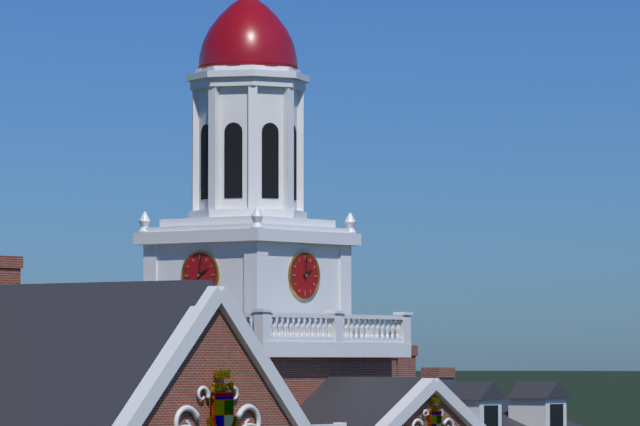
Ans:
**2:01**
